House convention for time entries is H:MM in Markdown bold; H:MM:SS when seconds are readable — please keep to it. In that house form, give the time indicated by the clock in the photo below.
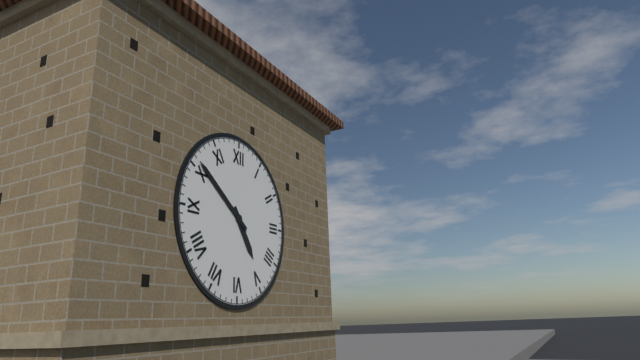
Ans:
**4:51**
